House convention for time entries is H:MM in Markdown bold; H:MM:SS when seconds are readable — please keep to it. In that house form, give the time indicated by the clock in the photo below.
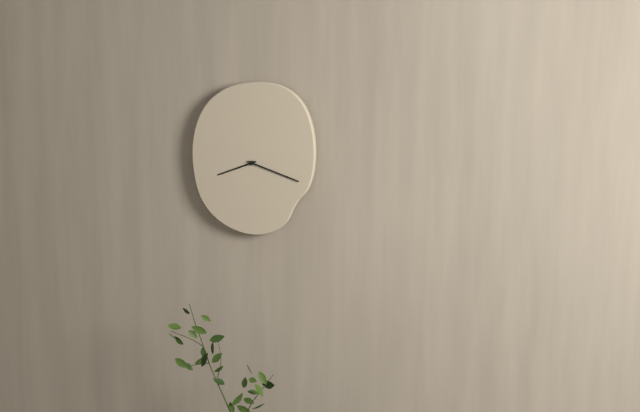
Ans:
**8:18**
